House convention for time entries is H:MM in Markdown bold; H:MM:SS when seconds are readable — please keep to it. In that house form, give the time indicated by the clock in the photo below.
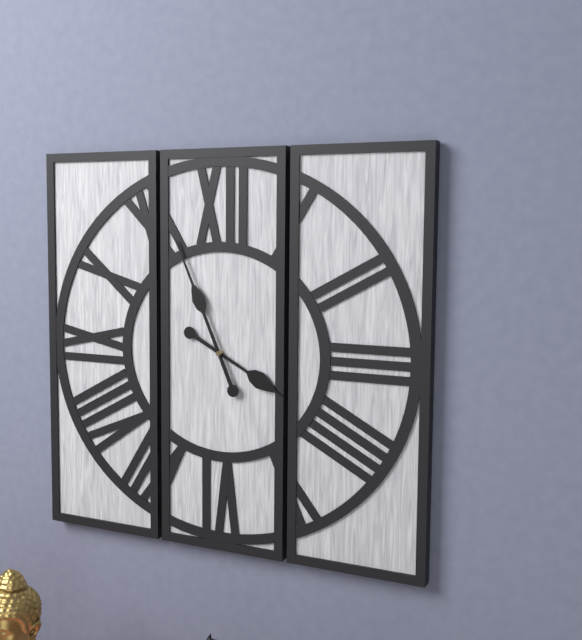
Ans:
**3:56**
